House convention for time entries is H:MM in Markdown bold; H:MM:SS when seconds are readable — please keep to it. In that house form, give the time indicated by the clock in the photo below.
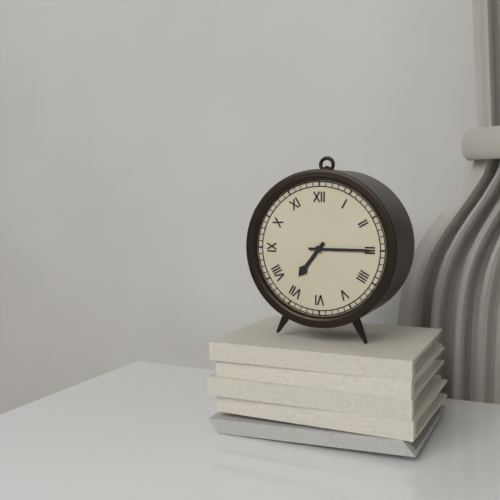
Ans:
**7:15**
